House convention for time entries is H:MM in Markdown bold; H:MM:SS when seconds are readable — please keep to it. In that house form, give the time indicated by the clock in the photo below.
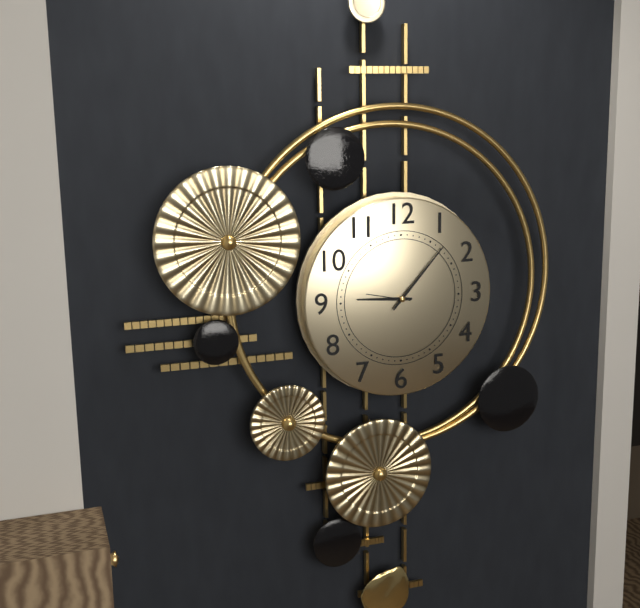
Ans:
**9:07**
